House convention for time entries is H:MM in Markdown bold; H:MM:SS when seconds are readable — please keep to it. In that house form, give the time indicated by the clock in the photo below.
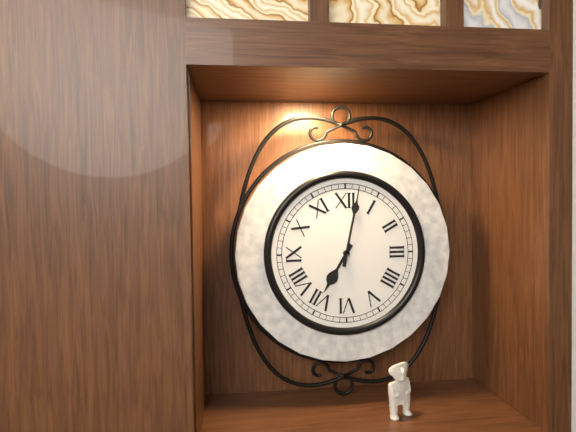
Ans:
**7:02**
